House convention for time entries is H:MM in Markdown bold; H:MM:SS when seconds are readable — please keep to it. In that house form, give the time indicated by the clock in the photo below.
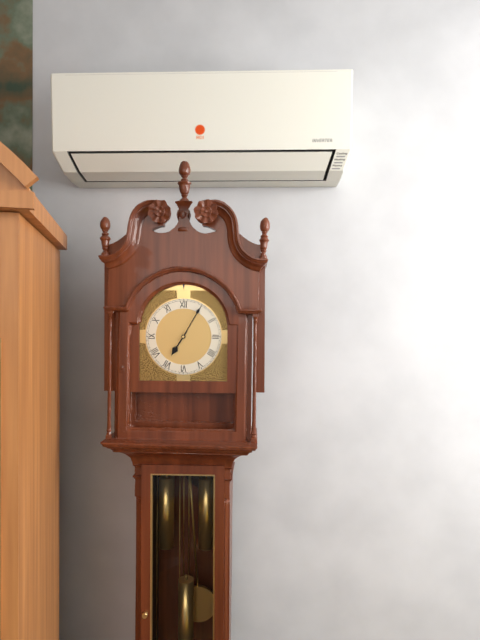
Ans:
**7:05**
